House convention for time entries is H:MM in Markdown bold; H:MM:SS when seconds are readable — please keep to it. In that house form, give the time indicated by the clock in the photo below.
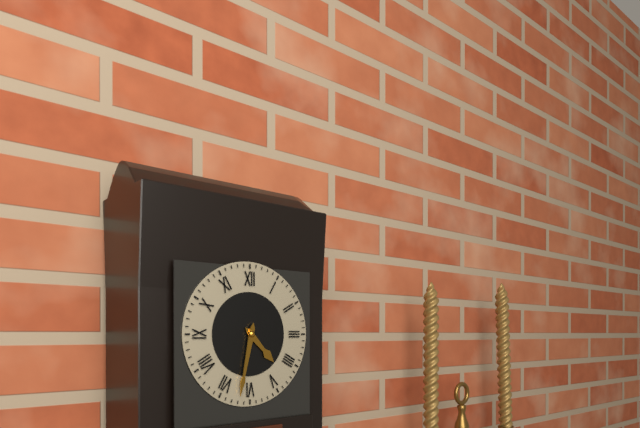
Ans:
**4:32**
